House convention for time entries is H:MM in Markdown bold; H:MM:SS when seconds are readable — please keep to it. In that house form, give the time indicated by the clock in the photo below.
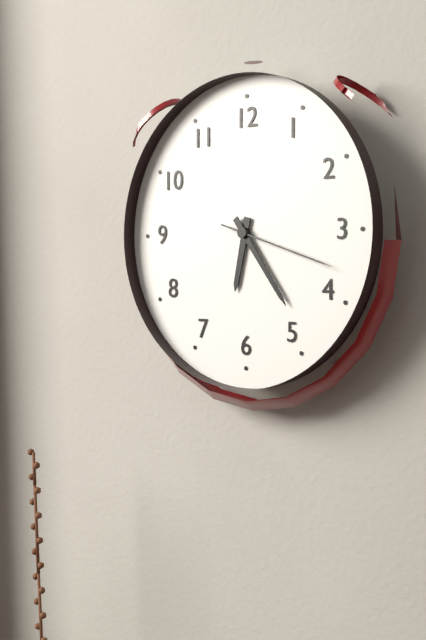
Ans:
**6:24:18**
